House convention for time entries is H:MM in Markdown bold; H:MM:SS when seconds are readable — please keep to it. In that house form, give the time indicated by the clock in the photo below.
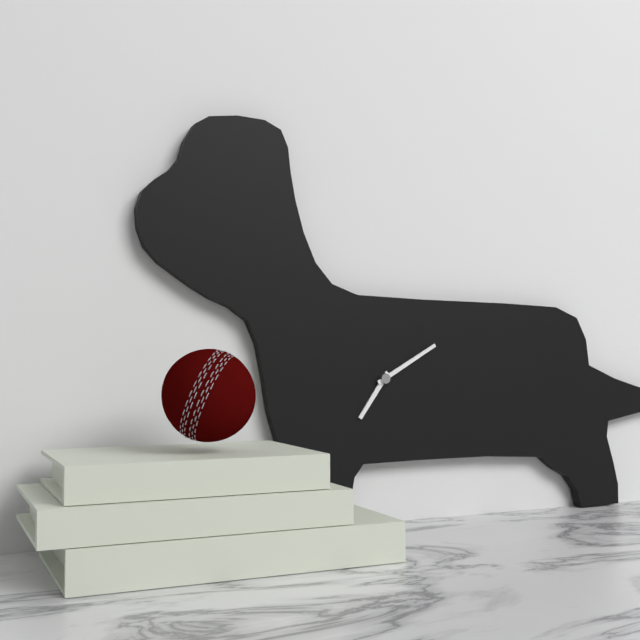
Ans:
**7:10**
